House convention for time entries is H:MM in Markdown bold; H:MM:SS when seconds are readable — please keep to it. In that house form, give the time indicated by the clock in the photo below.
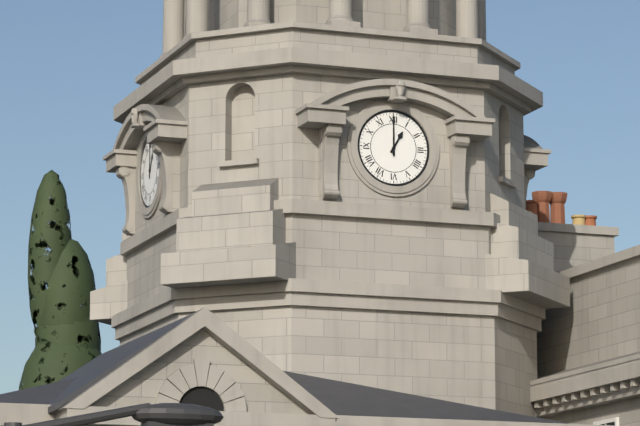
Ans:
**1:00**
